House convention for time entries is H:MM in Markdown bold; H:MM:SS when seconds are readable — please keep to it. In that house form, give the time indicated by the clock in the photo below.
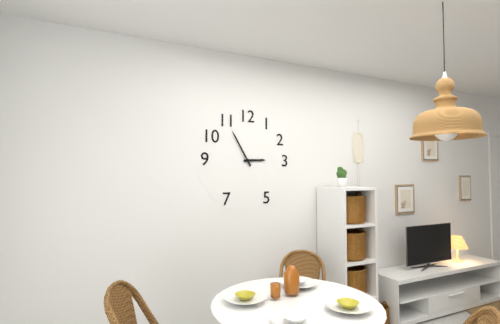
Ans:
**2:55**
